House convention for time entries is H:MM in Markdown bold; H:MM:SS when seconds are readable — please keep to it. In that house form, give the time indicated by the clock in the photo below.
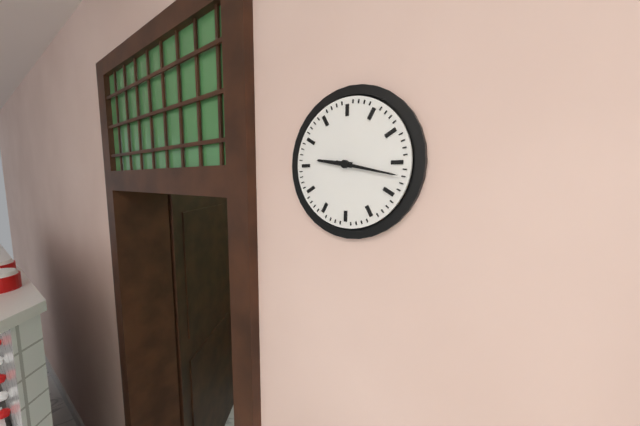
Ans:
**9:17**
